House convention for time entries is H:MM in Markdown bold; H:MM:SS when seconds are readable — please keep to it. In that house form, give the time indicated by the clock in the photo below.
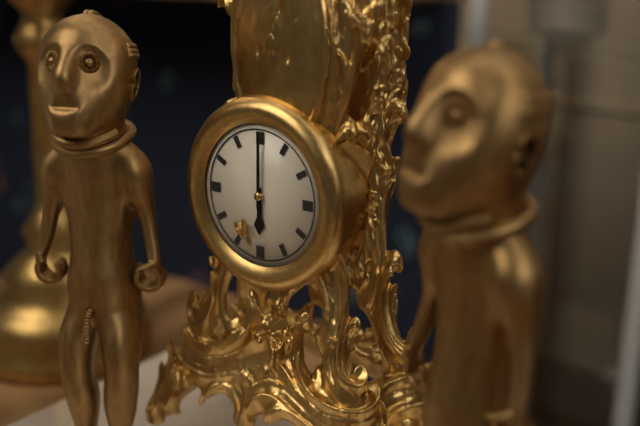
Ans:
**6:00**
